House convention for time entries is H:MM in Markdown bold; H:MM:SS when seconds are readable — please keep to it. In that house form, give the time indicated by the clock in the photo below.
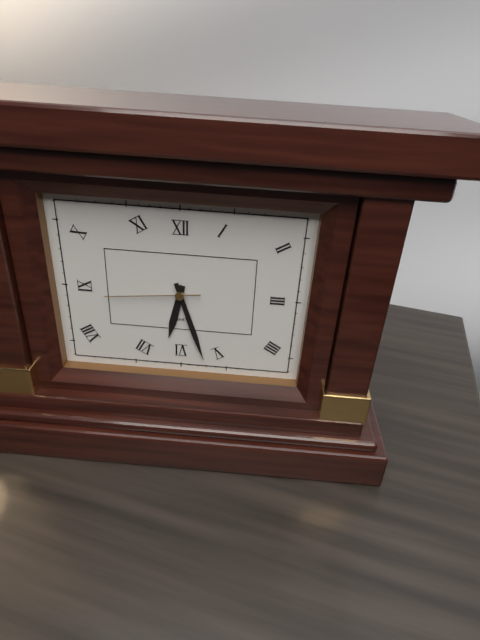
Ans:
**6:27:44**
